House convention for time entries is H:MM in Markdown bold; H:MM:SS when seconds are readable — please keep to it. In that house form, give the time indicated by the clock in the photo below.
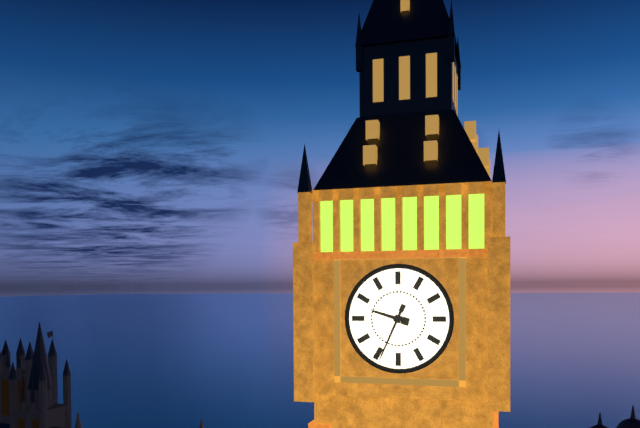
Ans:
**9:34**
